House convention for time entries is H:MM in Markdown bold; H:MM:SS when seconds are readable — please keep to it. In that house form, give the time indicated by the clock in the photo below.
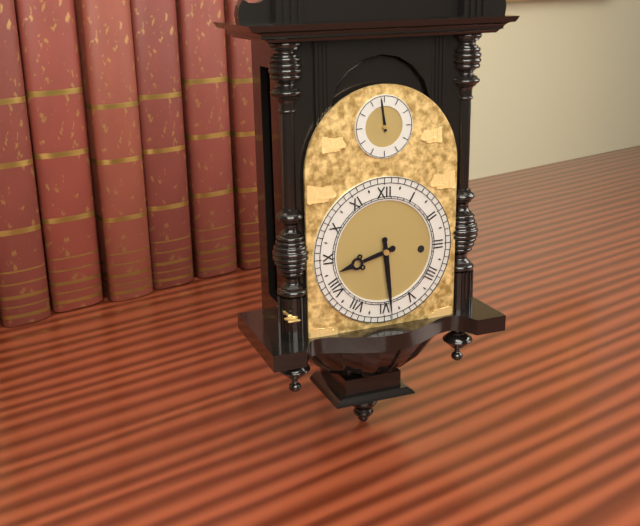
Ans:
**8:29**
